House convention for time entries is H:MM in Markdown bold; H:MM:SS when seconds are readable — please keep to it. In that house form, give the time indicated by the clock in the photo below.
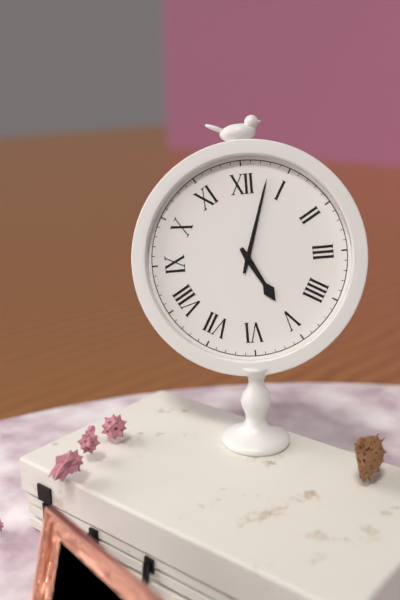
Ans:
**5:03**
